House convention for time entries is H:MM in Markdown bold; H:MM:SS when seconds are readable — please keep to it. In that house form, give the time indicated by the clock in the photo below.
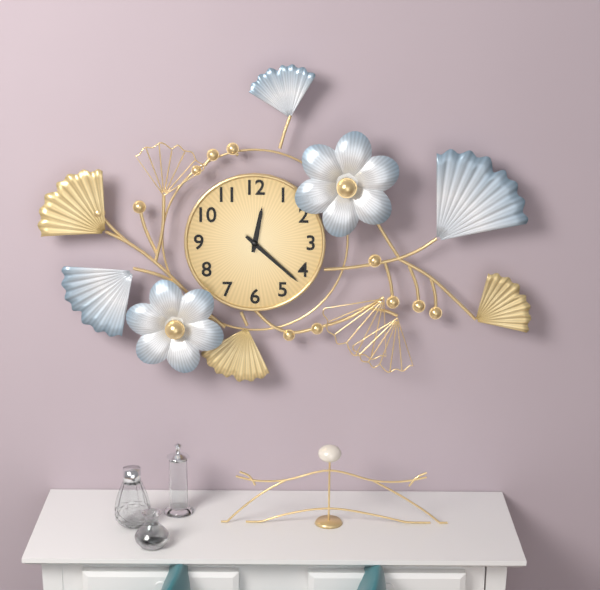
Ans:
**12:22**
